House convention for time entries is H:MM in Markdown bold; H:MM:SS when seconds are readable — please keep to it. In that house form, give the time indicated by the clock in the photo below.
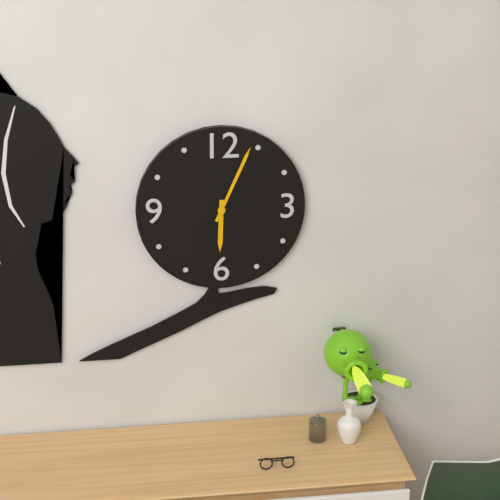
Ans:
**6:04**
